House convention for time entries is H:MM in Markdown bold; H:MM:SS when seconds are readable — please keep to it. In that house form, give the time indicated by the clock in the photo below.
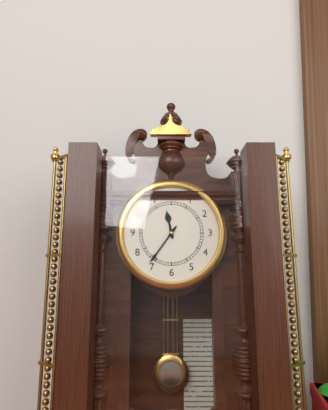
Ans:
**11:36**
